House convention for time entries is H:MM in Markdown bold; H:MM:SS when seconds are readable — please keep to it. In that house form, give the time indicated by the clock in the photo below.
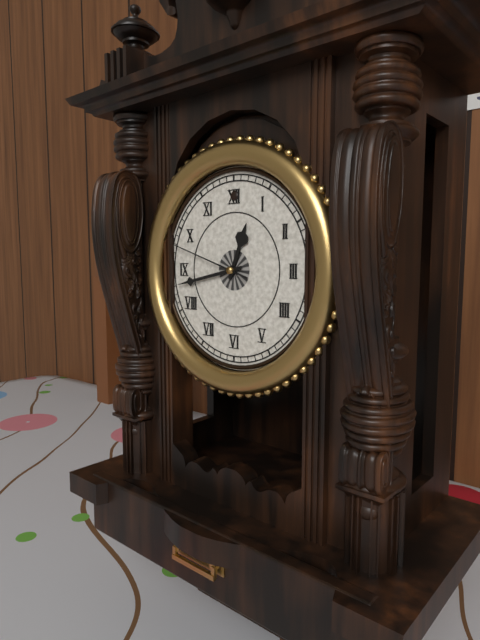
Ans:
**12:43:48**
